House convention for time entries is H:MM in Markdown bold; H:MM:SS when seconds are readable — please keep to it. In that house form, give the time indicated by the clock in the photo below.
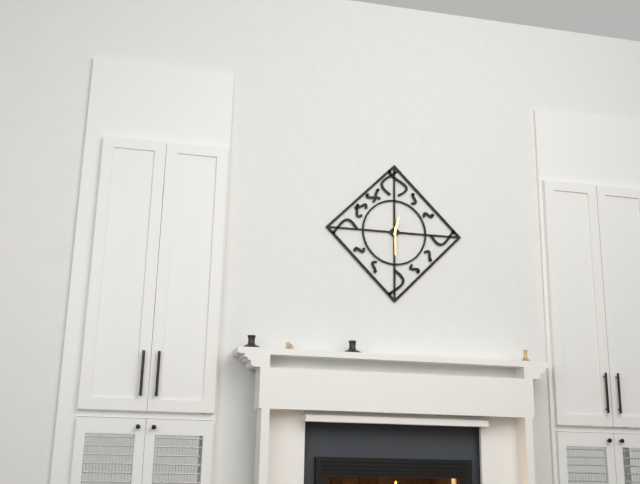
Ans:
**12:30**
